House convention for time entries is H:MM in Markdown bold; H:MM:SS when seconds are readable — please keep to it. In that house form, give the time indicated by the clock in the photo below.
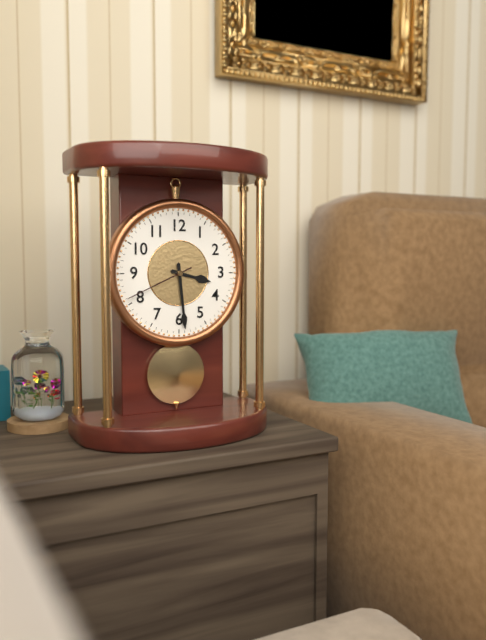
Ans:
**3:29:41**
